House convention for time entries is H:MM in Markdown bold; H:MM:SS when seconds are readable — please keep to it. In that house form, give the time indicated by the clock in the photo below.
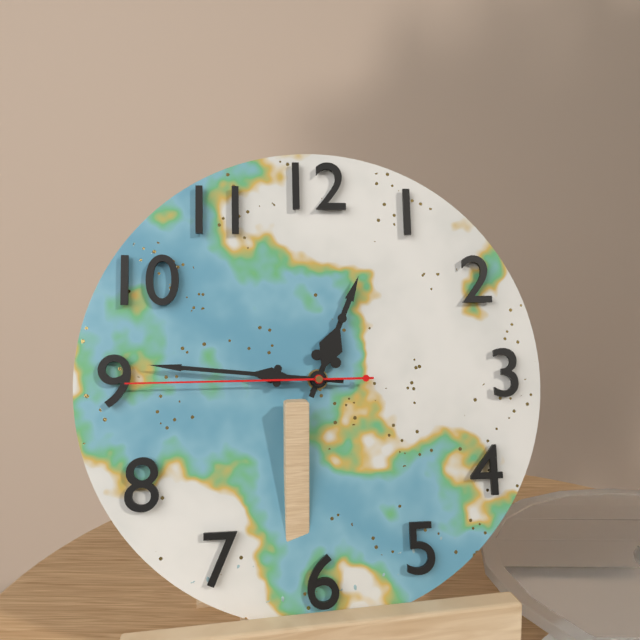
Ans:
**12:46:45**
